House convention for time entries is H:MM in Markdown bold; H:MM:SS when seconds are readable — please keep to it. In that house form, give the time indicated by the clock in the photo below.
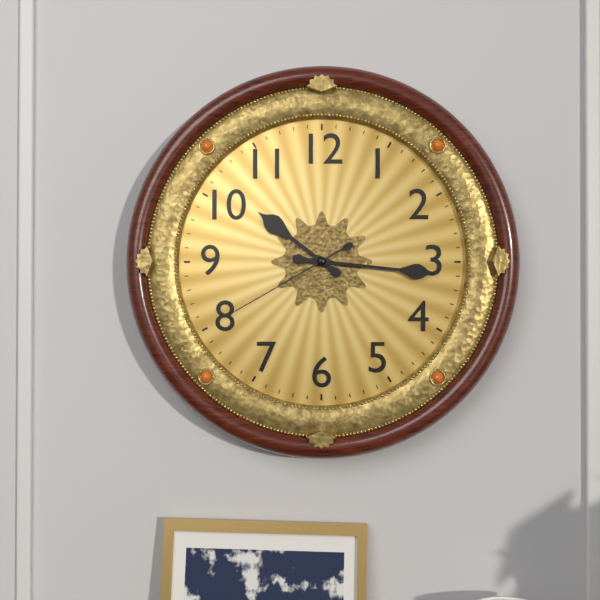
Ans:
**10:16:40**
